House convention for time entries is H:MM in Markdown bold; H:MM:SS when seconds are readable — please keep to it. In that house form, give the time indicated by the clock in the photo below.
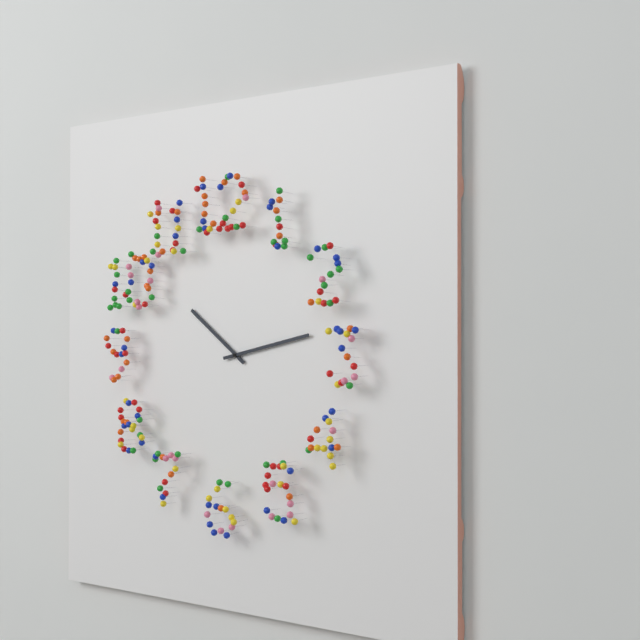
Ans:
**10:13**
